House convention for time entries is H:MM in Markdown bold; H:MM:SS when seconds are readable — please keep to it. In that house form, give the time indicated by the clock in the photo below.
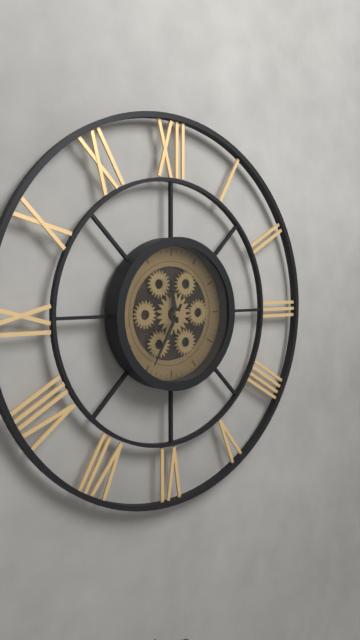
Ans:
**11:35**
